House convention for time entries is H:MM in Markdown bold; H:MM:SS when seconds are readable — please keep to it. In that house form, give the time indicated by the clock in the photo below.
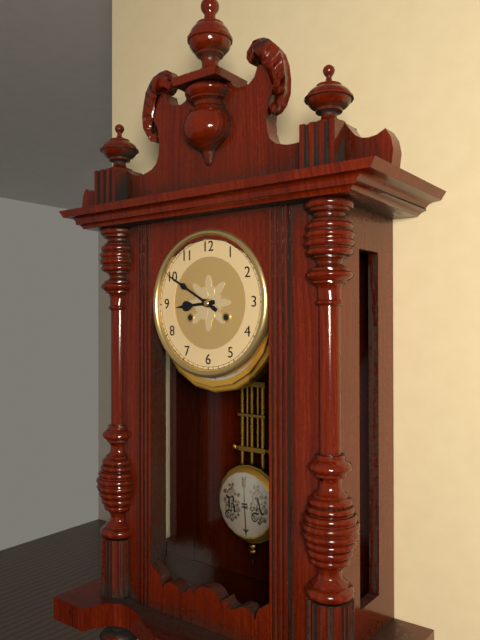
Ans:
**8:50**
